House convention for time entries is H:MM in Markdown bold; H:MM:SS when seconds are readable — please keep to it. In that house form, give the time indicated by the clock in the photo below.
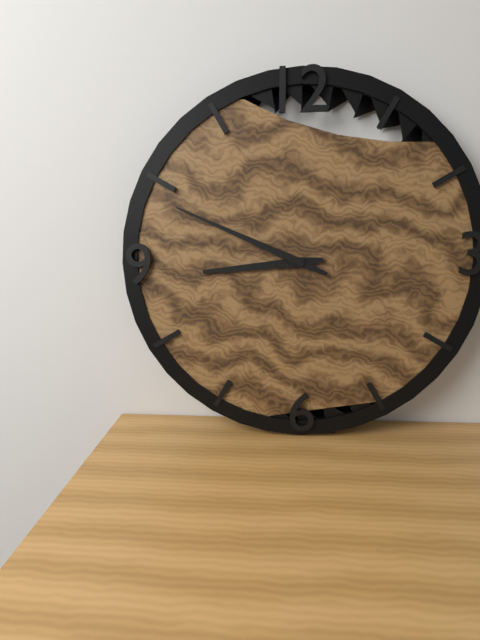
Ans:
**8:49**
